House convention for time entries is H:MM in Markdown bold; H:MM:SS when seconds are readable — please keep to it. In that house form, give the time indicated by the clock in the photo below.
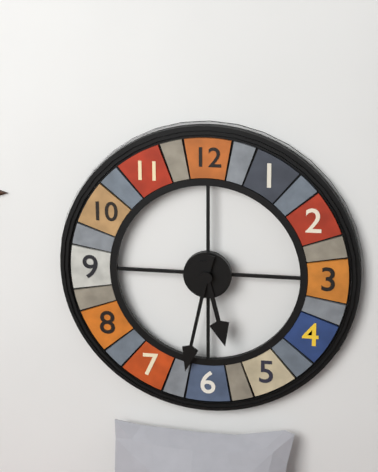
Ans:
**5:32**
